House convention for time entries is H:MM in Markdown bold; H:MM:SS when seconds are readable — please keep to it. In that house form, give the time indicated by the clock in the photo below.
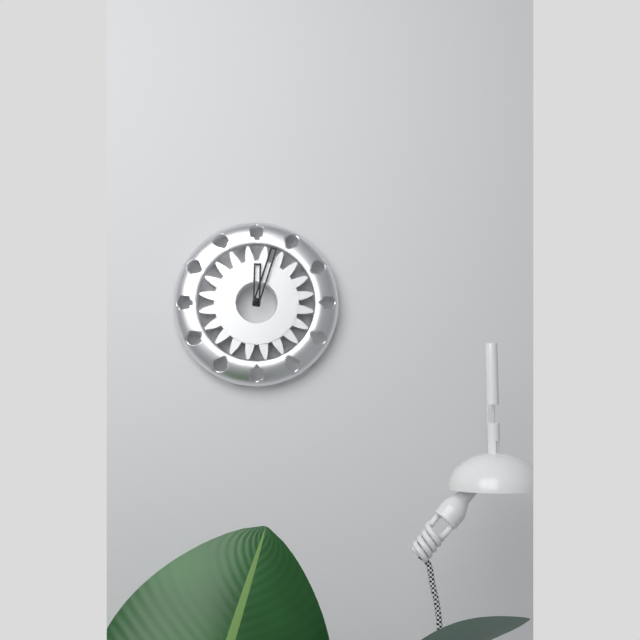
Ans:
**12:03**
